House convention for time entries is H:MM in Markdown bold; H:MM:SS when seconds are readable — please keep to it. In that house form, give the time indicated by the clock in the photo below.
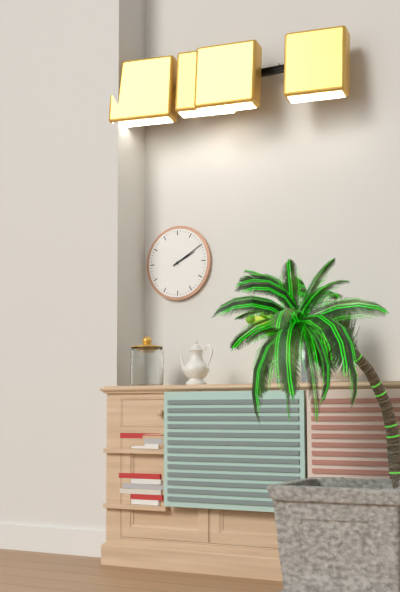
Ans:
**2:10**
